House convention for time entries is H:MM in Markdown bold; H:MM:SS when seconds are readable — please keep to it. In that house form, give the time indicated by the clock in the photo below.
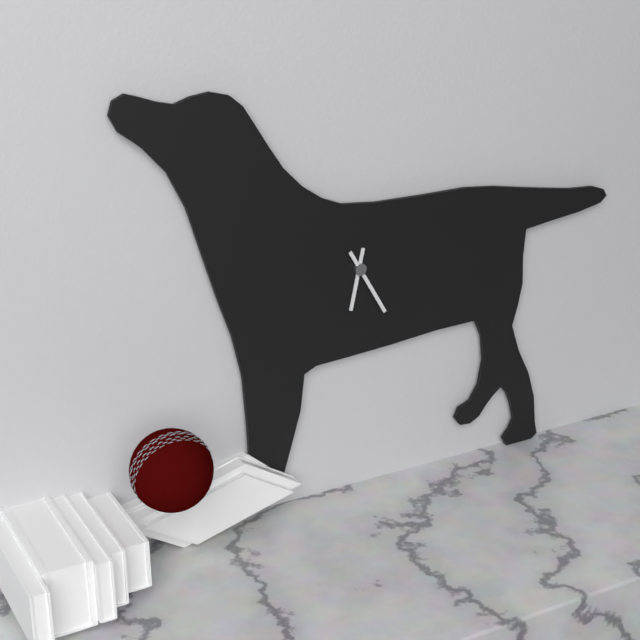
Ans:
**6:25**
